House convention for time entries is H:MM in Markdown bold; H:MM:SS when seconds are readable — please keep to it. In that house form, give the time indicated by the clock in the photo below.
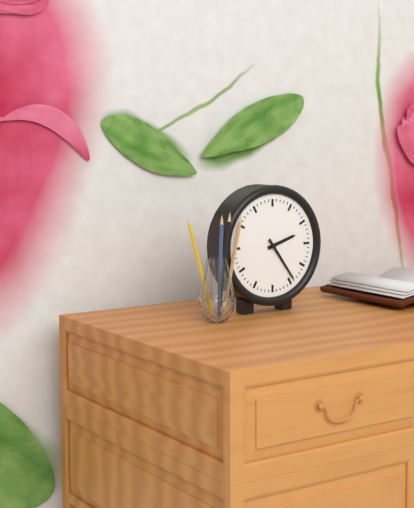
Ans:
**2:24**
